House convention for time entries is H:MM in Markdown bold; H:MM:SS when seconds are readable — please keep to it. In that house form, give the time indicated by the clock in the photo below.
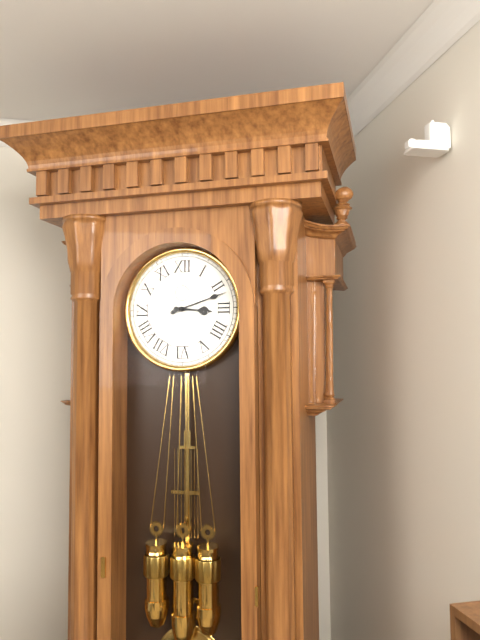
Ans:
**3:12**
